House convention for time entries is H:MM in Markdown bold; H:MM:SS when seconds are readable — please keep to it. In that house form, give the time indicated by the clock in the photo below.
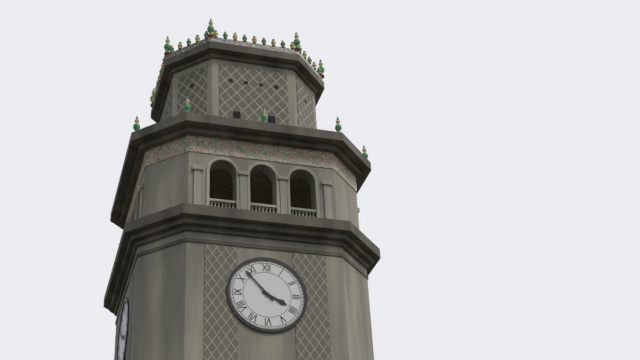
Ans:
**3:53**
